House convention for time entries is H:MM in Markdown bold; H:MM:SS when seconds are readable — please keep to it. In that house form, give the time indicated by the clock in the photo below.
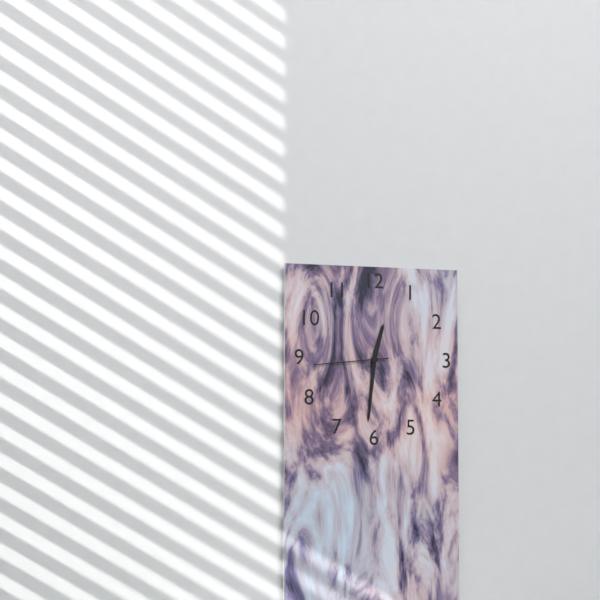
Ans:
**12:31:44**
